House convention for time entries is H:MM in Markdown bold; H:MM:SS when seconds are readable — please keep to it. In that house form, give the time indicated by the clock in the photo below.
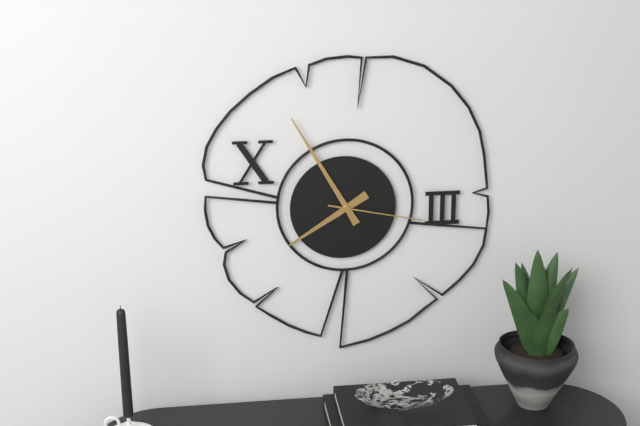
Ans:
**7:55:17**
